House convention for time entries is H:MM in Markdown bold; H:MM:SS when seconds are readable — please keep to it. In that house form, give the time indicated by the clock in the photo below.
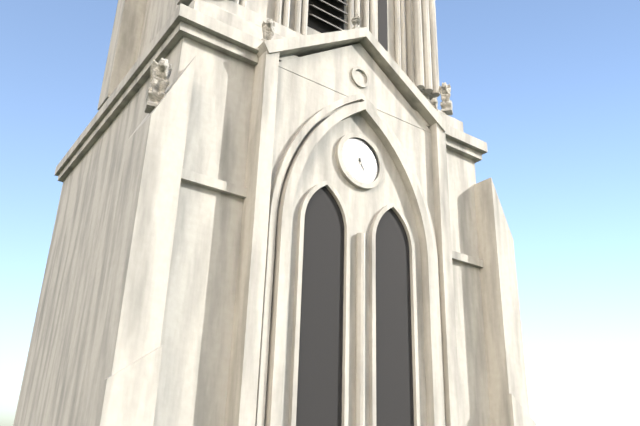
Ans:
**4:58**
